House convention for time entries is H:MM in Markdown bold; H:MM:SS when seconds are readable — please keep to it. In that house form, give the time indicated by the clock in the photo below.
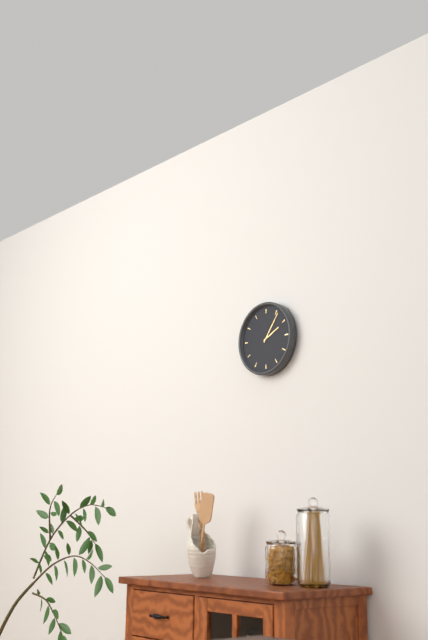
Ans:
**2:06**
